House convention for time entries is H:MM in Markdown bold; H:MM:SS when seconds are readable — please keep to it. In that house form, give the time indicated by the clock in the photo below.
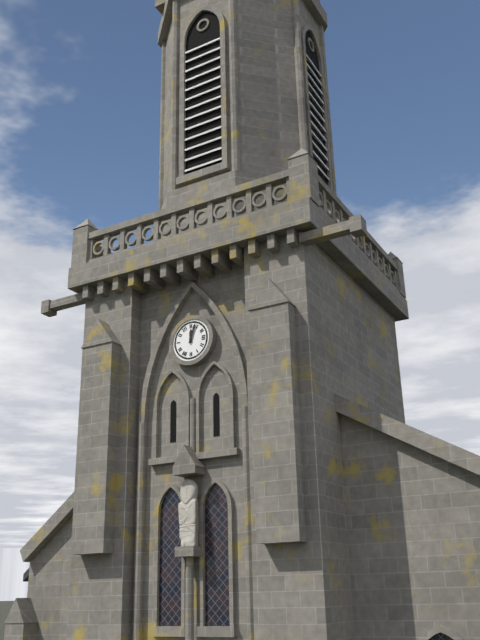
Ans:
**12:03**
